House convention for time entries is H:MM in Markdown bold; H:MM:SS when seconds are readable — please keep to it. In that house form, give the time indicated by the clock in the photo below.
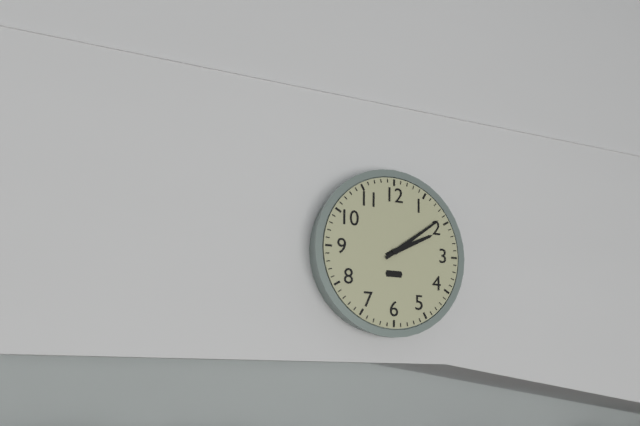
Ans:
**2:09**
